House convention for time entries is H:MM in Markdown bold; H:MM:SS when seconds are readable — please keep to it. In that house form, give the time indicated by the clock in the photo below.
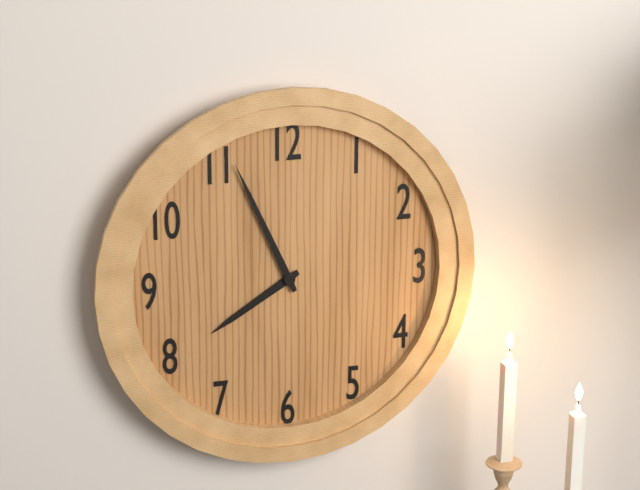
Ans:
**7:56**
